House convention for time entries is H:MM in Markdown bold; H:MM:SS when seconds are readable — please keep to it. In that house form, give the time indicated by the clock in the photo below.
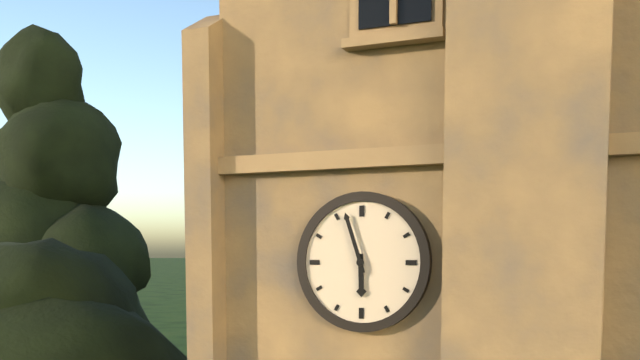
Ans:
**5:57**
